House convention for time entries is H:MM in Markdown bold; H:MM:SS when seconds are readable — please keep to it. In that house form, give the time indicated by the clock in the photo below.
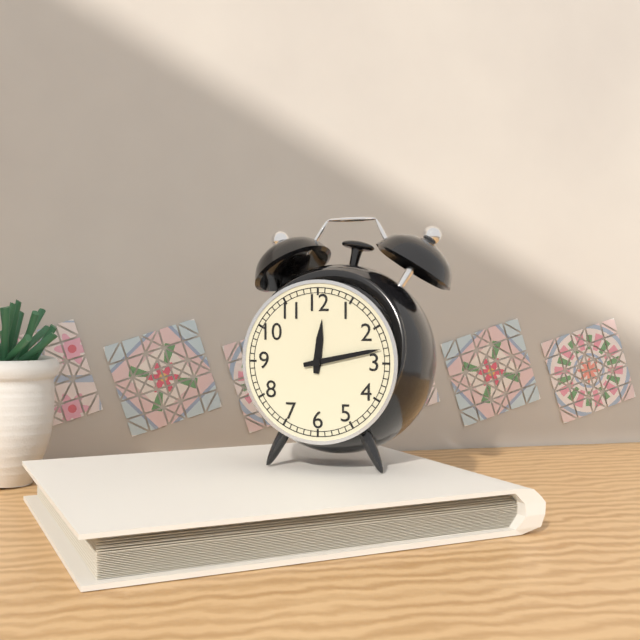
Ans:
**12:13**
